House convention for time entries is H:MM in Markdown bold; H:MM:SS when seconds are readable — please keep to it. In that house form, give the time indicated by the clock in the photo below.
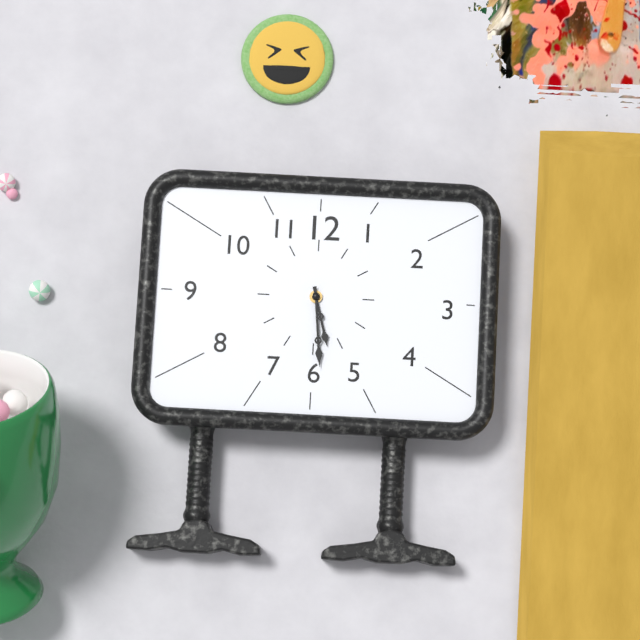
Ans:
**5:29**
